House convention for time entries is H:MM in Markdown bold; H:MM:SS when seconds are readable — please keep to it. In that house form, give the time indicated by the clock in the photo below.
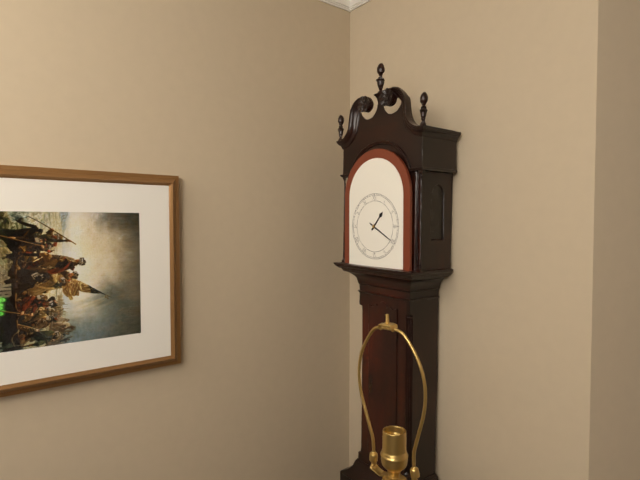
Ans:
**1:20**
